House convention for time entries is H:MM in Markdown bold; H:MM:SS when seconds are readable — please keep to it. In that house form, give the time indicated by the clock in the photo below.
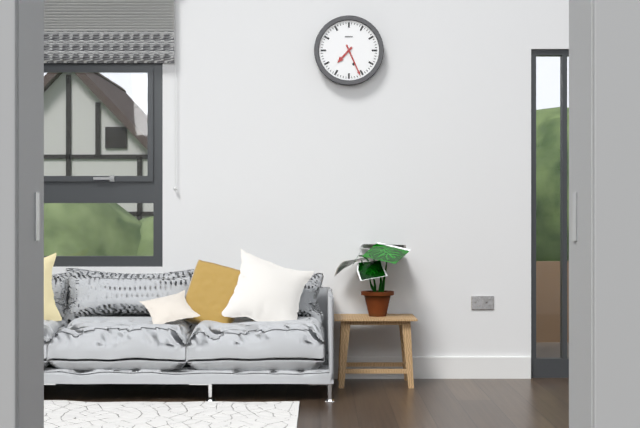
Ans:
**7:26**
